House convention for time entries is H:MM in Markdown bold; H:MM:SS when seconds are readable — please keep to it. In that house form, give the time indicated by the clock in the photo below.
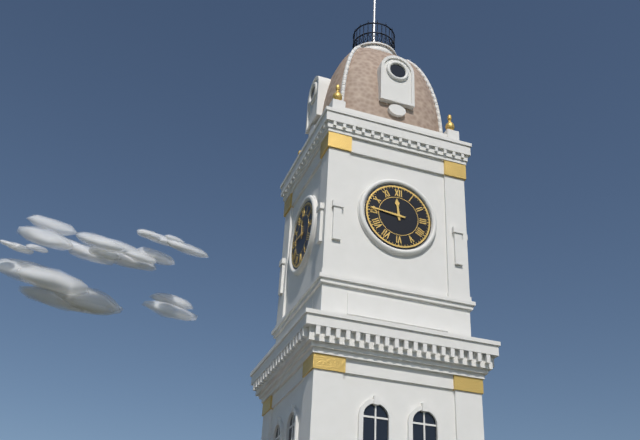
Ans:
**11:46**
